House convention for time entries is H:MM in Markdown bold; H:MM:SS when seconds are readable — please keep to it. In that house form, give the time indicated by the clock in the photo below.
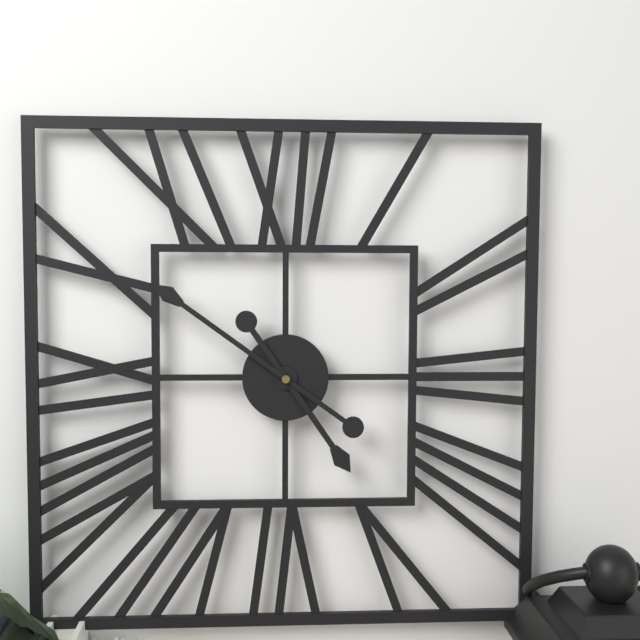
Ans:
**4:51**
